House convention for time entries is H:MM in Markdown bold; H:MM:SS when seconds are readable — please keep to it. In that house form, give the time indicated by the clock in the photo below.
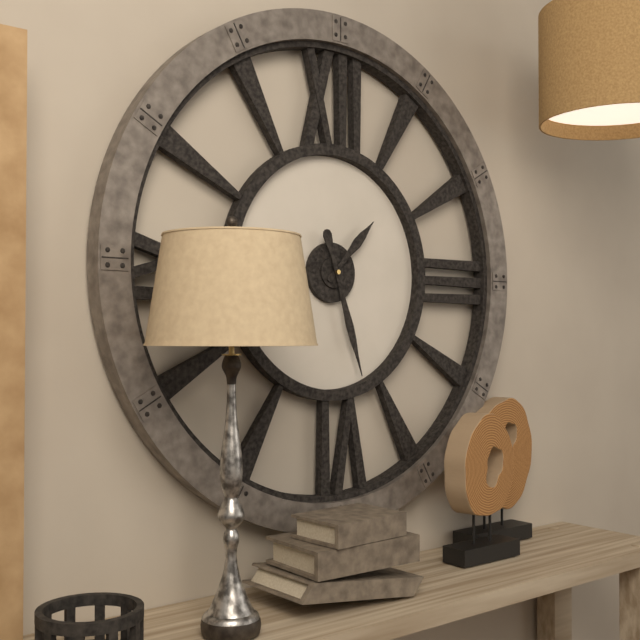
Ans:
**1:27**
